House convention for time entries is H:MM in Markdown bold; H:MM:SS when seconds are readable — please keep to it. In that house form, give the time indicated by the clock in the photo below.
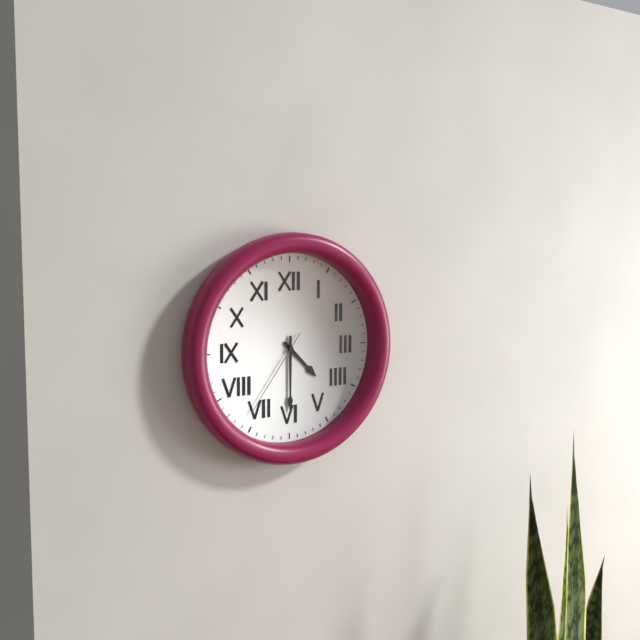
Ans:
**4:30:36**
